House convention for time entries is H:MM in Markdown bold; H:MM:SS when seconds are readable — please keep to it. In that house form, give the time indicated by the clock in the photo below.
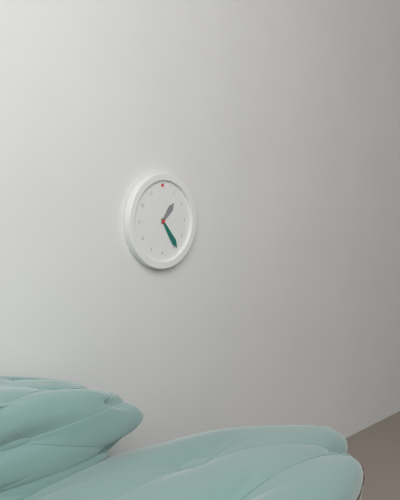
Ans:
**1:24**
